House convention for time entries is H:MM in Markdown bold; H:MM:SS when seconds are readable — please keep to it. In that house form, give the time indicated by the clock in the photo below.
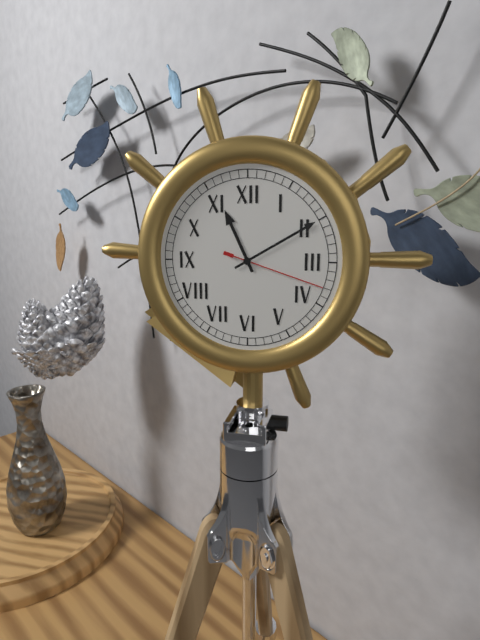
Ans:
**11:10:18**
